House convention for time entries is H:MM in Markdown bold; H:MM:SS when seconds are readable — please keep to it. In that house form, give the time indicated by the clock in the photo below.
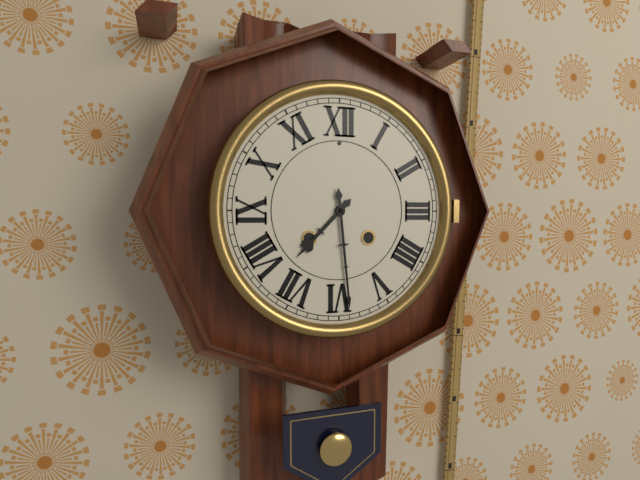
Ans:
**7:29**
